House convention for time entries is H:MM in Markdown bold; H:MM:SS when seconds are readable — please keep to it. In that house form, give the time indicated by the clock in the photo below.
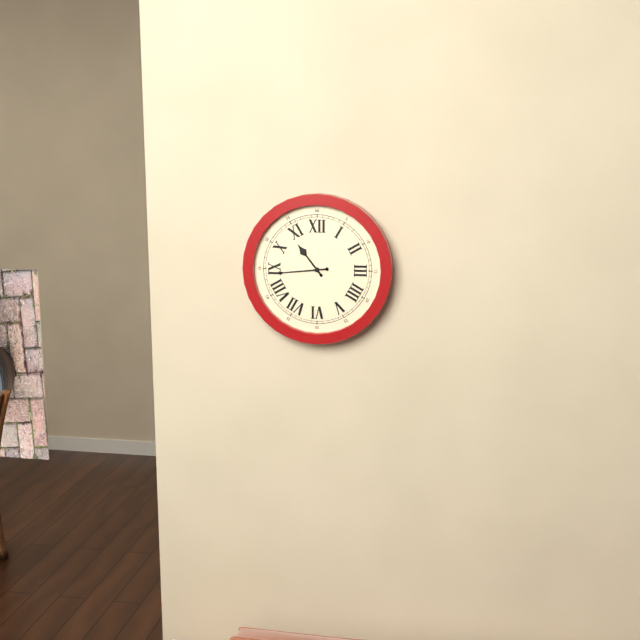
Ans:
**10:44**
